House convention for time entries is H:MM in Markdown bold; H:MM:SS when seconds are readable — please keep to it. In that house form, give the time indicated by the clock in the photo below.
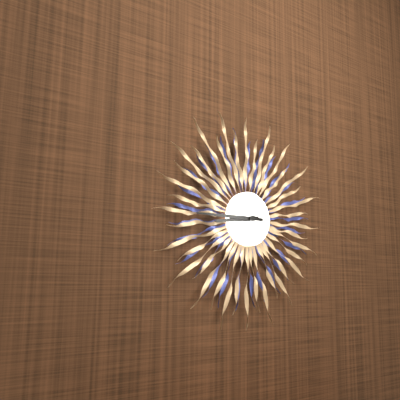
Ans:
**8:45**
